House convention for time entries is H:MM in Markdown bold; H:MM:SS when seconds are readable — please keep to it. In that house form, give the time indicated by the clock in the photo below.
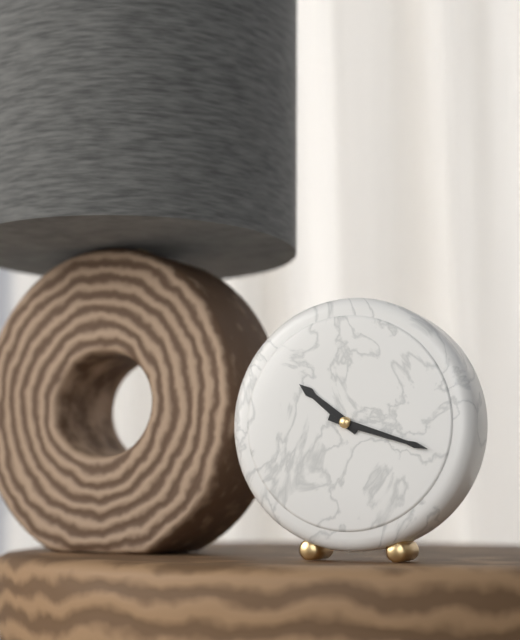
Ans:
**10:18**
